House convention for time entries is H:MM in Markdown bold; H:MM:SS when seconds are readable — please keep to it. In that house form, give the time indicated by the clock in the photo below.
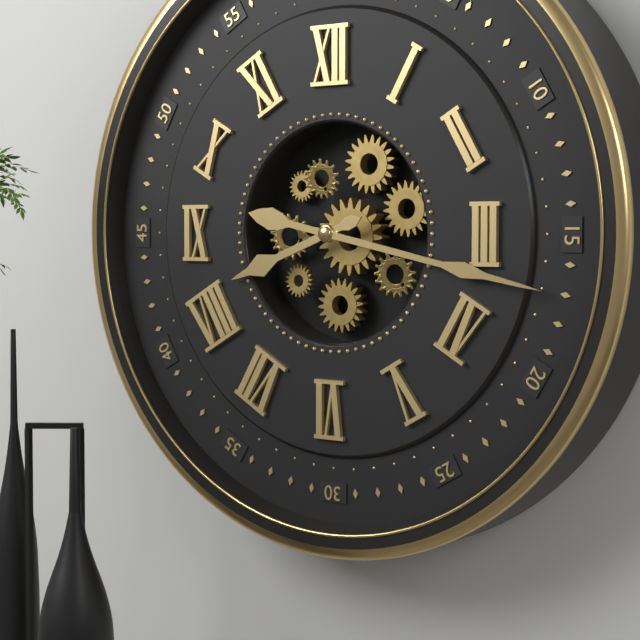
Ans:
**8:17**
